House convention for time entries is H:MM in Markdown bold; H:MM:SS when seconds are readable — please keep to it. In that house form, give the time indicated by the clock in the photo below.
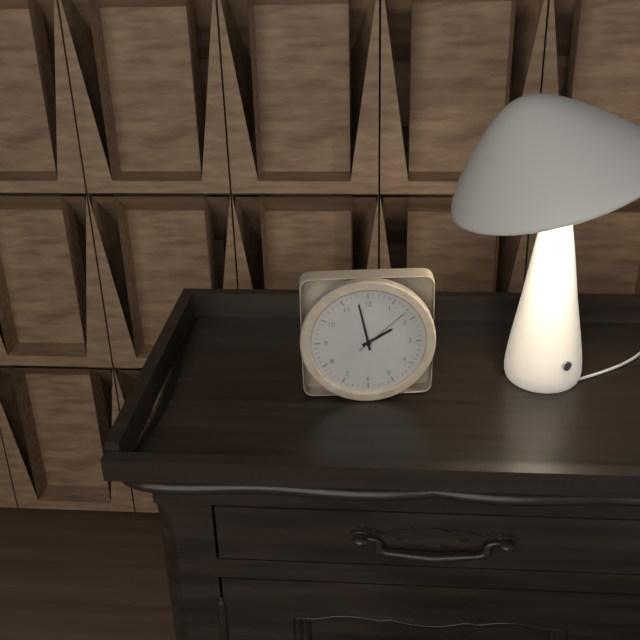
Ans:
**1:58:08**
